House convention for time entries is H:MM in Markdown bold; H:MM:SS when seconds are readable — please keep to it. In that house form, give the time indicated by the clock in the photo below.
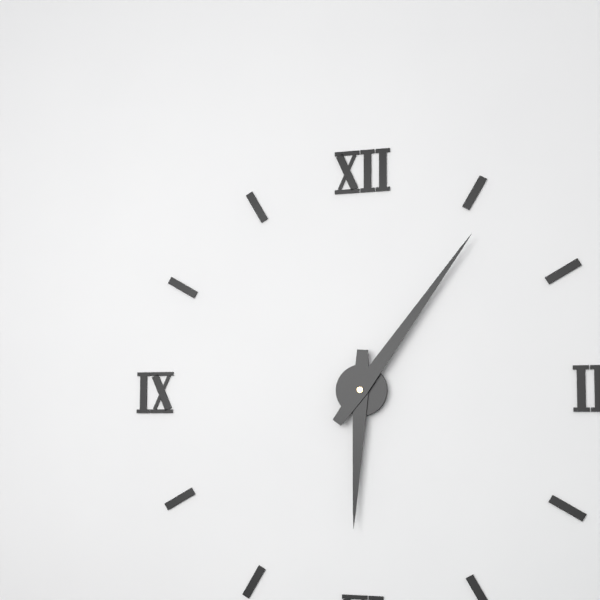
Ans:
**6:06**
